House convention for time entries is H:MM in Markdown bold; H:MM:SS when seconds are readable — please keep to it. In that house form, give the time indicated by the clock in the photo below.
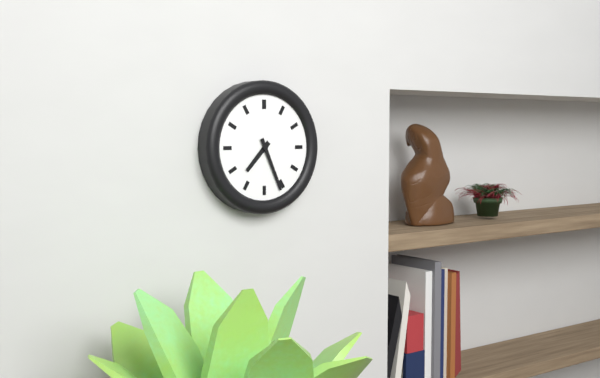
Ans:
**7:26**
